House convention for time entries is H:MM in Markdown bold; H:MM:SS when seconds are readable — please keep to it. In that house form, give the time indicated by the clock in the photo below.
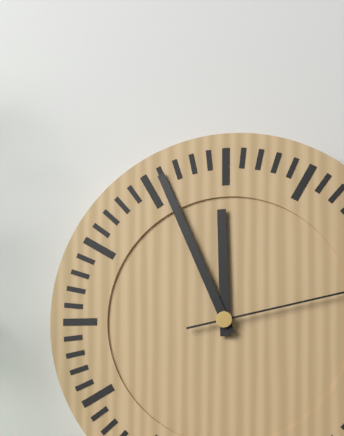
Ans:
**11:56**
